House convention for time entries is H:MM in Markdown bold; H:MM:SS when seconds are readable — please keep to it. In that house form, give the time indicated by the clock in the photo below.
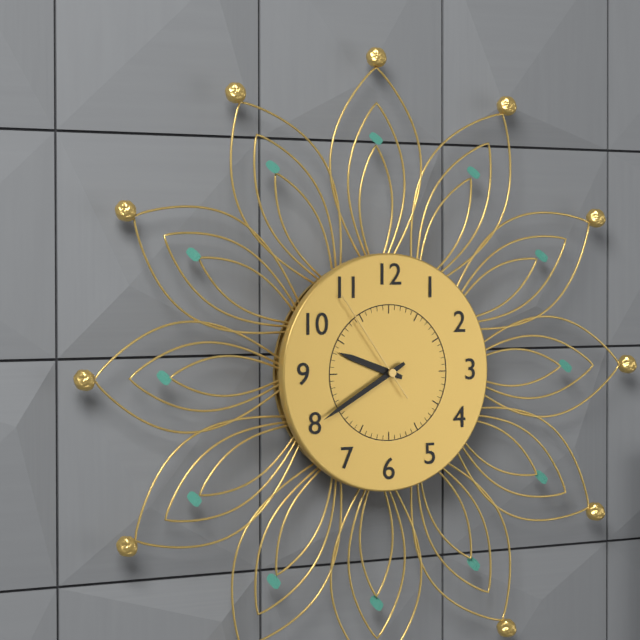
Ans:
**9:40:54**
